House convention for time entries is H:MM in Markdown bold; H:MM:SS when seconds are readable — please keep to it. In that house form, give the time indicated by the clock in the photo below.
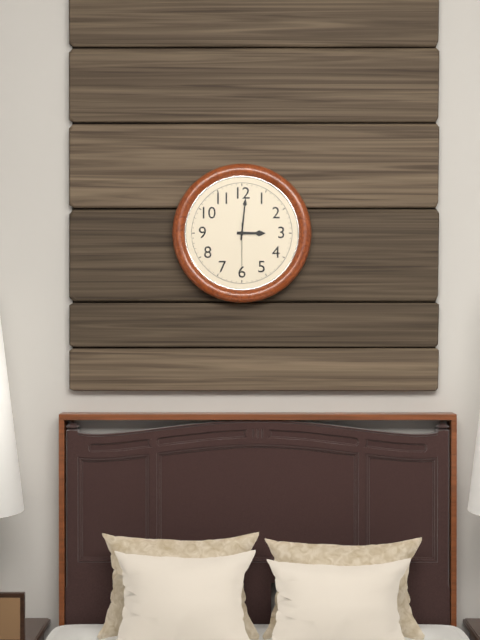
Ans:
**3:01**
